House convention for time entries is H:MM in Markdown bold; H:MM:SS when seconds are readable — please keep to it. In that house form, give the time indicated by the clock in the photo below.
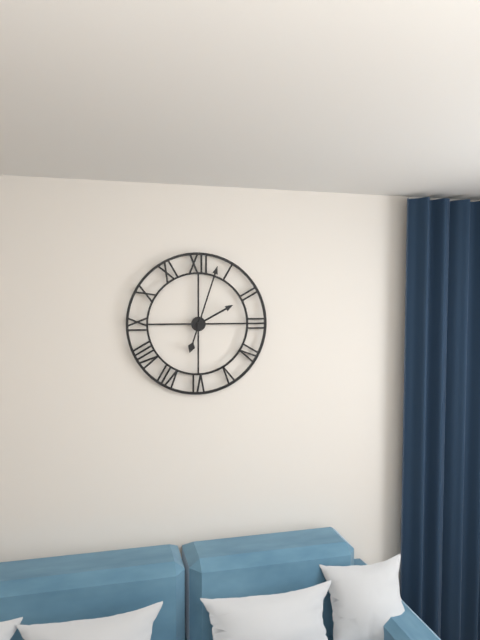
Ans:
**2:03**
